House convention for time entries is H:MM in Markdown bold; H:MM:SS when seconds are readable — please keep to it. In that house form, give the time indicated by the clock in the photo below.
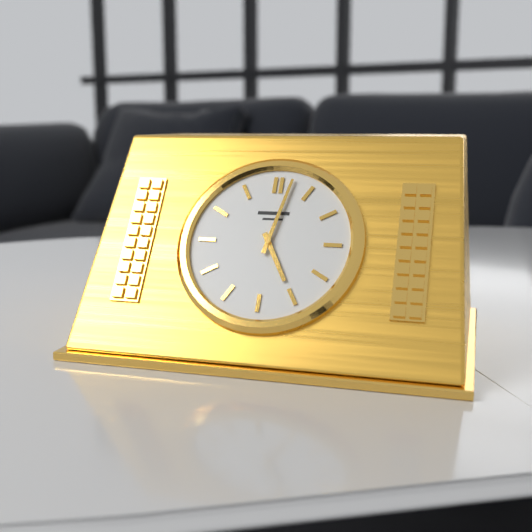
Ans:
**5:02**
